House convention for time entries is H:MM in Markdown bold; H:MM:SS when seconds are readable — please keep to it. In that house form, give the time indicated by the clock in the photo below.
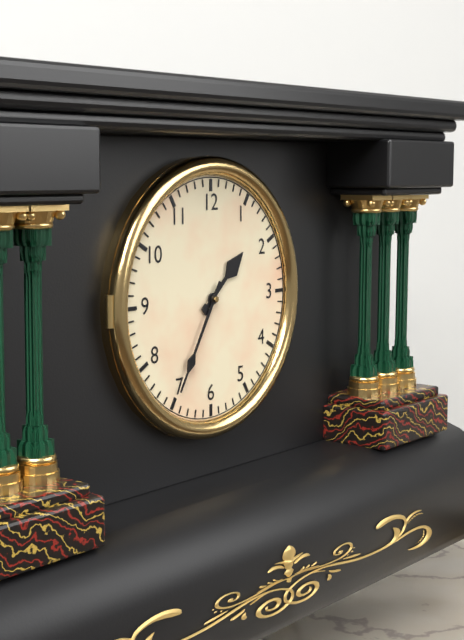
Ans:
**1:35**
